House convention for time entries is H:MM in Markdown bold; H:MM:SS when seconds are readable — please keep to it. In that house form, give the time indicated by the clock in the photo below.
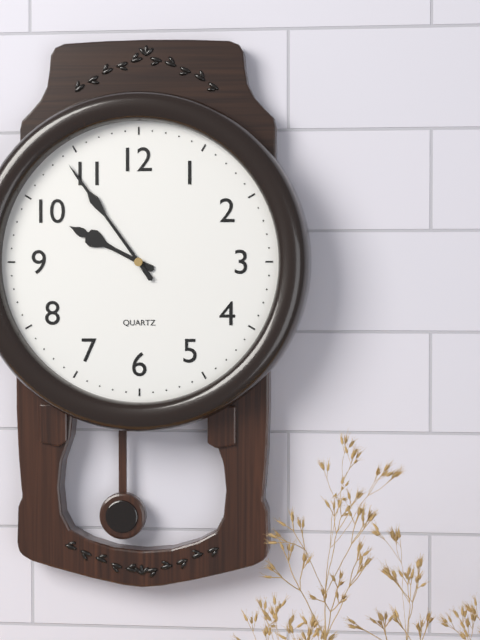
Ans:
**9:54**
